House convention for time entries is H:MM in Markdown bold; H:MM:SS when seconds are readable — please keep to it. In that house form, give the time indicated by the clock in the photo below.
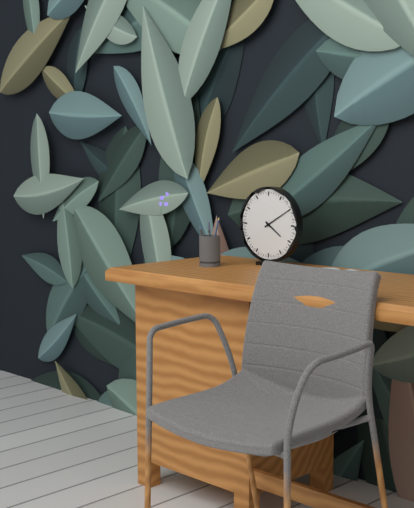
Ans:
**4:10**
